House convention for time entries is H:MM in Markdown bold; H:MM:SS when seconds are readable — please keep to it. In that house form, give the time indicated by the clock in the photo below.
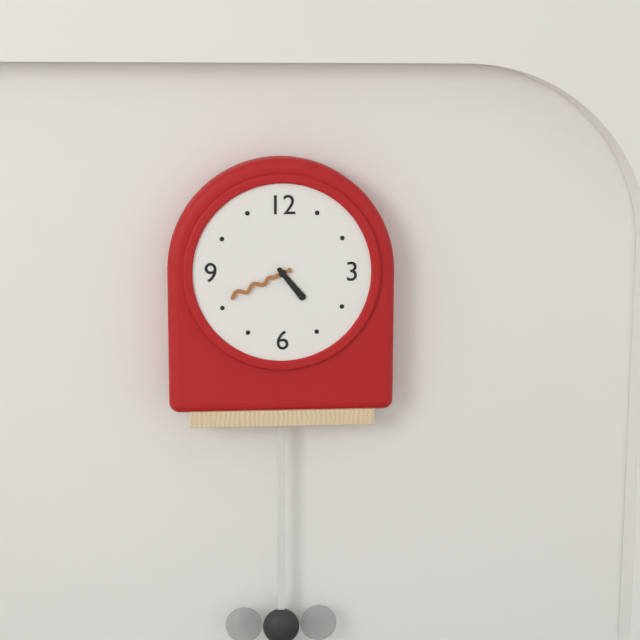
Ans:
**4:41**
